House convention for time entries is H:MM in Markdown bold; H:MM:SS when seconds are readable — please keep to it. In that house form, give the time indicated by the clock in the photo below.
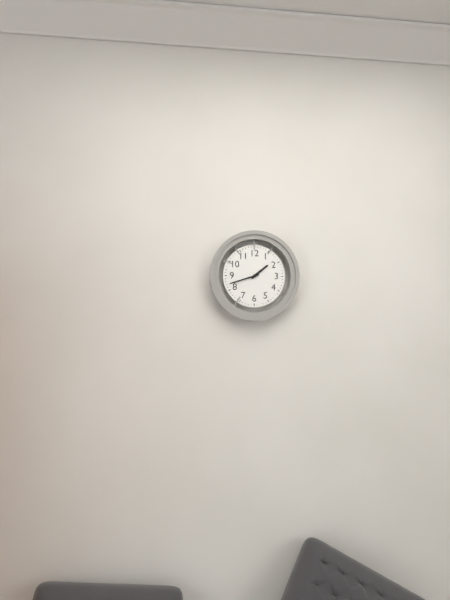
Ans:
**1:42**
